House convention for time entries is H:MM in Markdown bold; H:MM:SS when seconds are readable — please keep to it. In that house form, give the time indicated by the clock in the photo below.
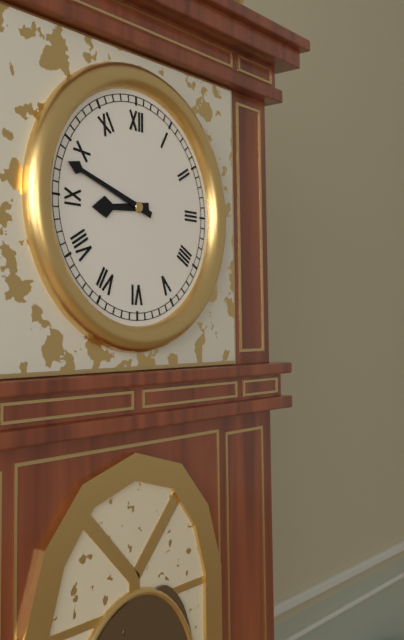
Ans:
**8:48**
